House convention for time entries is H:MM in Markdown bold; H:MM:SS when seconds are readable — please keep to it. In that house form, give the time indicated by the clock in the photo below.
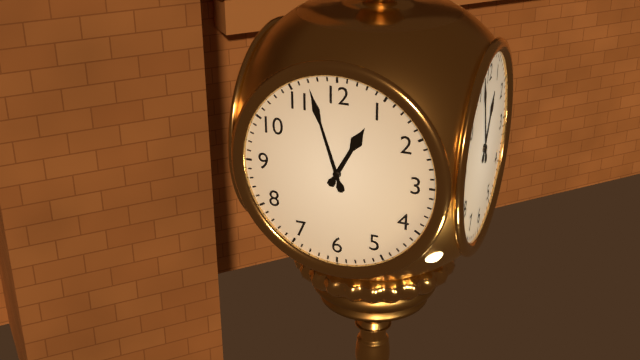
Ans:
**12:57**
